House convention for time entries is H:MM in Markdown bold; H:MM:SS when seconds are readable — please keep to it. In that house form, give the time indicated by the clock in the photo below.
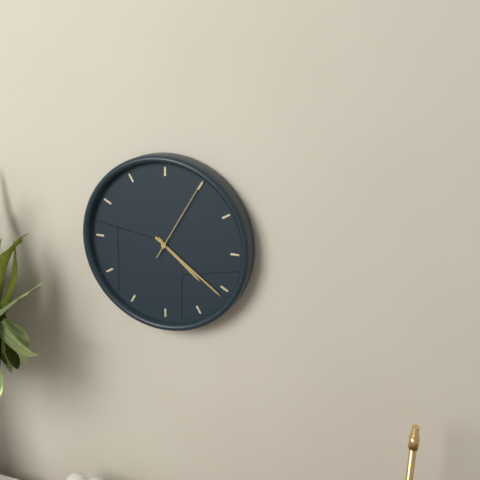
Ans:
**4:21:05**
